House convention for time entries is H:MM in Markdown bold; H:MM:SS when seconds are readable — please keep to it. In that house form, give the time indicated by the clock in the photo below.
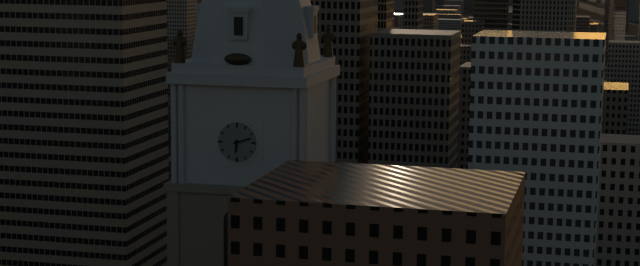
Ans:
**6:12**
